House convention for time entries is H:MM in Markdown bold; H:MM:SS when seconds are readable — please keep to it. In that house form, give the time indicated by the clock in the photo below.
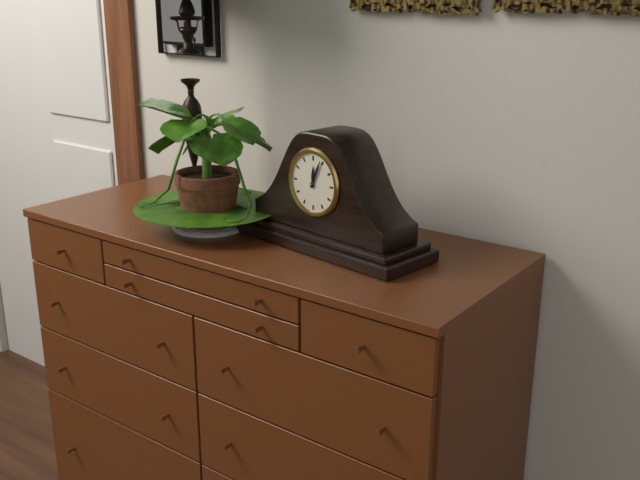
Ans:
**12:04**
